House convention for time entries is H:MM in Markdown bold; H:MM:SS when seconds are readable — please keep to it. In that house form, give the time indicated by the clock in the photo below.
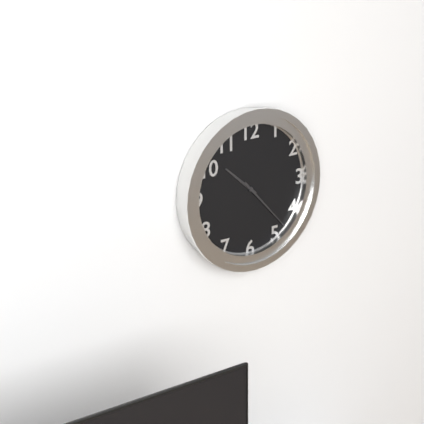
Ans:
**10:23**
